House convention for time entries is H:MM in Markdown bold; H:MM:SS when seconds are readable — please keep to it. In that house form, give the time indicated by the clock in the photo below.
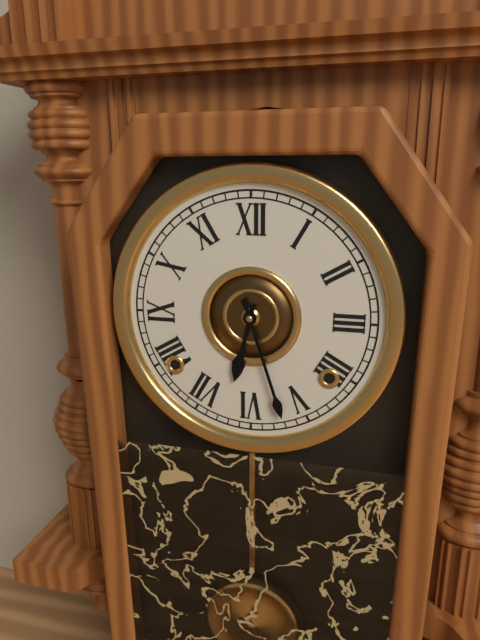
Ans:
**6:27**
